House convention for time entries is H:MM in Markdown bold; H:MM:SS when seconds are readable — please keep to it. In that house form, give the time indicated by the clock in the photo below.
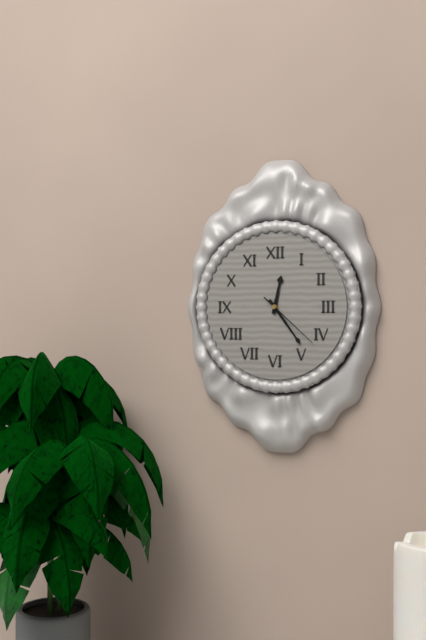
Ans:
**12:24:22**
